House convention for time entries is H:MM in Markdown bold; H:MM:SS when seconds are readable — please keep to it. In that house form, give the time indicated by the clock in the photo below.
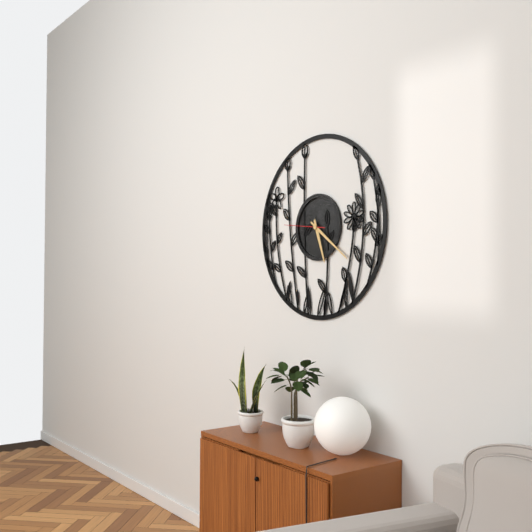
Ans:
**5:21**
